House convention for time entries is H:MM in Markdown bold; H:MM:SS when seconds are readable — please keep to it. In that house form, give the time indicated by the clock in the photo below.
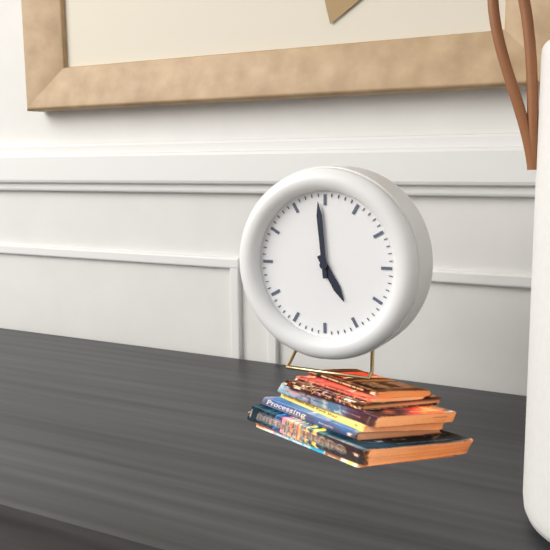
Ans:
**4:59**
